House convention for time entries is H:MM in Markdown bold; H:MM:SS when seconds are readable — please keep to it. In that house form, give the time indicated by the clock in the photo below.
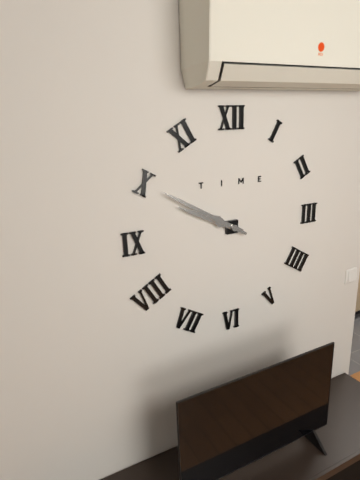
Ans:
**9:50**
